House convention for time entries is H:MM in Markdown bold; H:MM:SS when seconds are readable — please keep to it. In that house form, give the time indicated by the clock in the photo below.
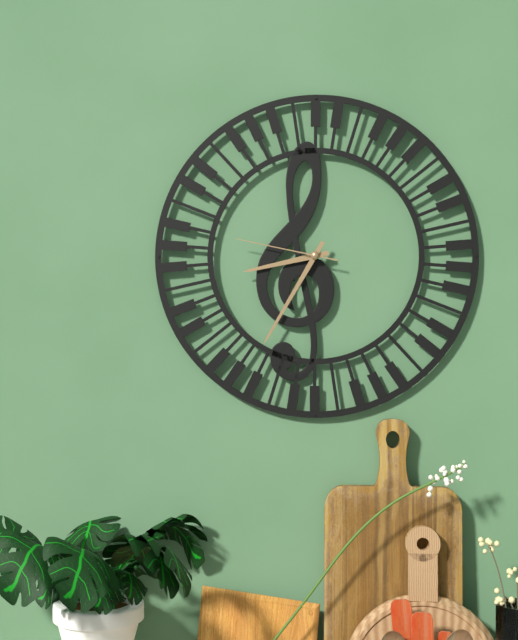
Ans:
**8:35:47**
